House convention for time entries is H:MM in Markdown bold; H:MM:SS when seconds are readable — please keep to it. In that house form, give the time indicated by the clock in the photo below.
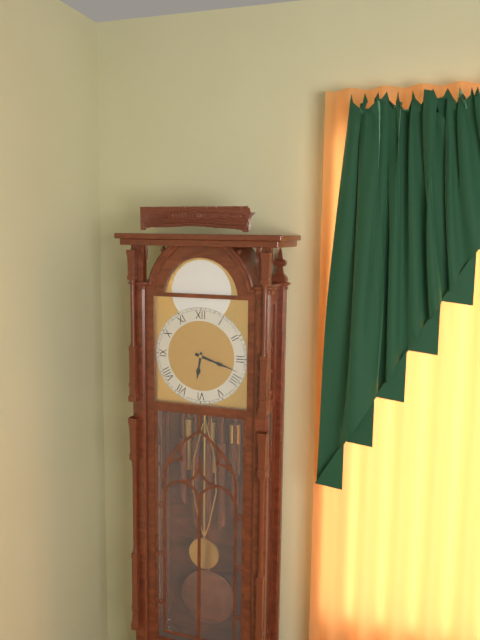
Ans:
**6:18**
